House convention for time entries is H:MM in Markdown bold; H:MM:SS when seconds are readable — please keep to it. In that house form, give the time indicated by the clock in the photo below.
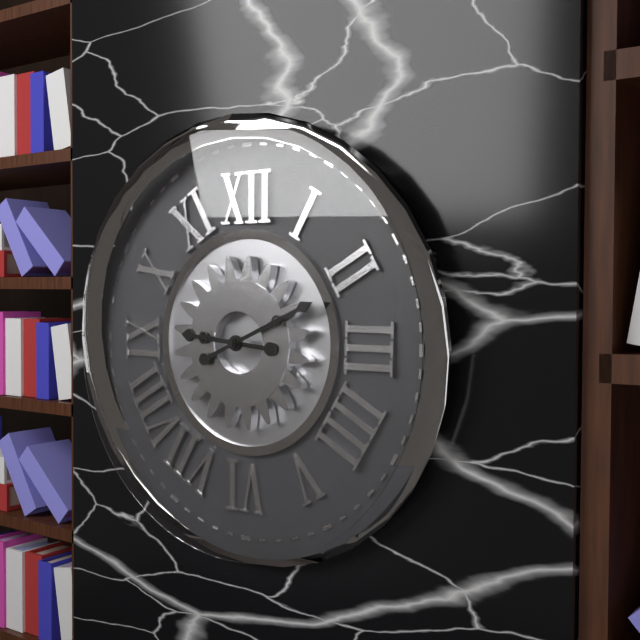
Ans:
**9:11**
